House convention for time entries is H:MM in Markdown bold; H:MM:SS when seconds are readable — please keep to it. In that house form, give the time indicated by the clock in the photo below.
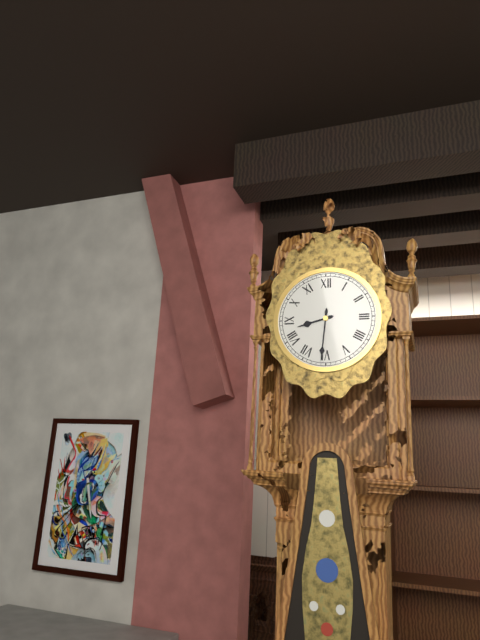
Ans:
**8:31**
